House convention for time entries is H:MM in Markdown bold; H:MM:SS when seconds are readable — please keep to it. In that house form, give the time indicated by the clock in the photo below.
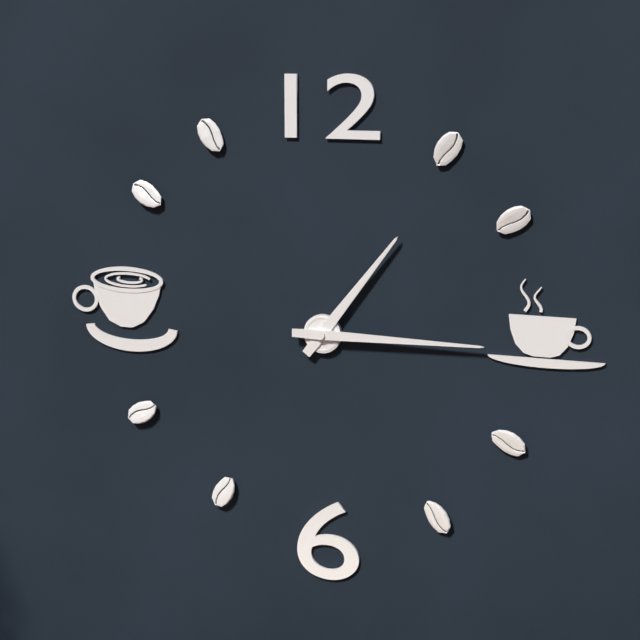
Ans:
**1:15**
